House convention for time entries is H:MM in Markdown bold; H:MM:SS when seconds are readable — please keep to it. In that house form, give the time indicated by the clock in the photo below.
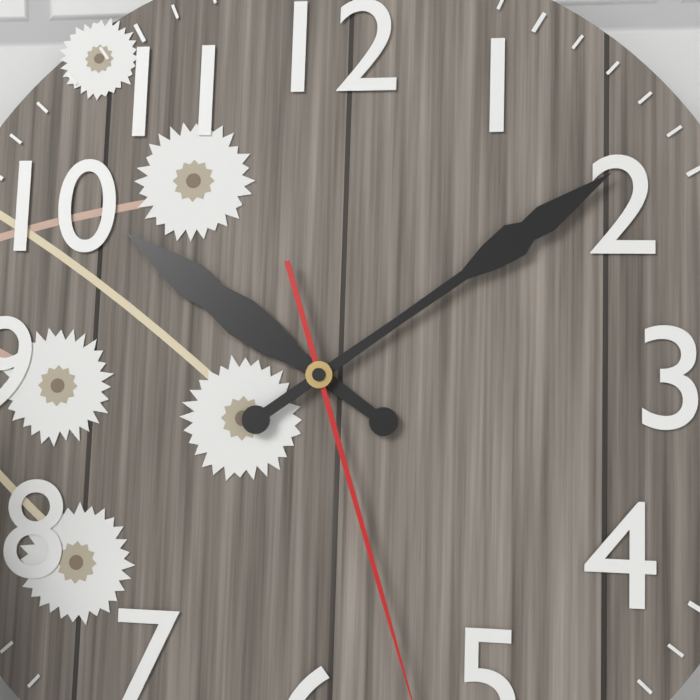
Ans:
**10:09**
